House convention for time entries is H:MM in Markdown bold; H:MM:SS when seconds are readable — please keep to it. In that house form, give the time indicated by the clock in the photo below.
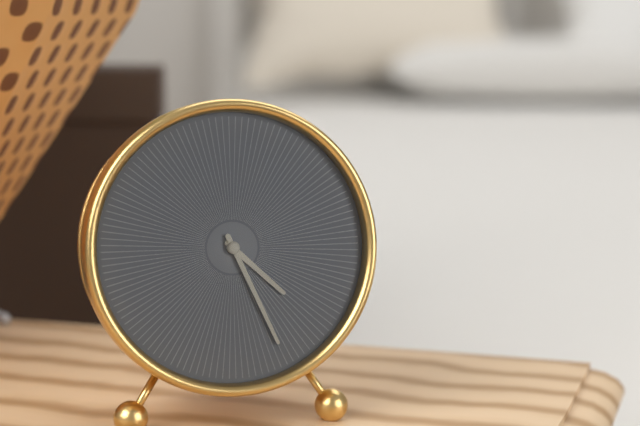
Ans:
**4:26**
